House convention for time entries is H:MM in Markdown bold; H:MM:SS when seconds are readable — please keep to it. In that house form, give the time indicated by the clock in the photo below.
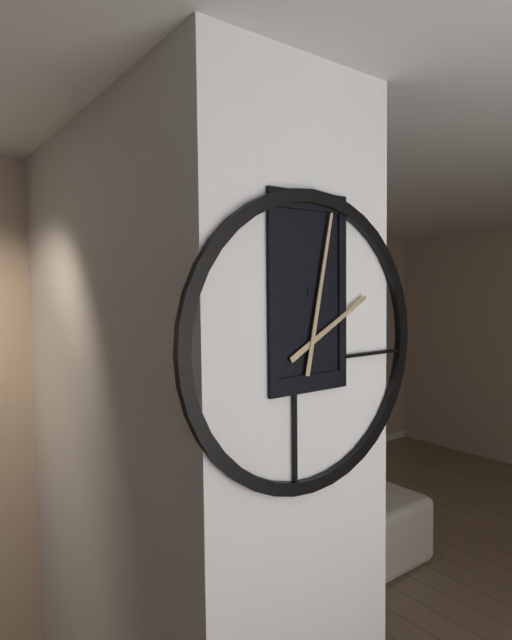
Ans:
**2:02**
